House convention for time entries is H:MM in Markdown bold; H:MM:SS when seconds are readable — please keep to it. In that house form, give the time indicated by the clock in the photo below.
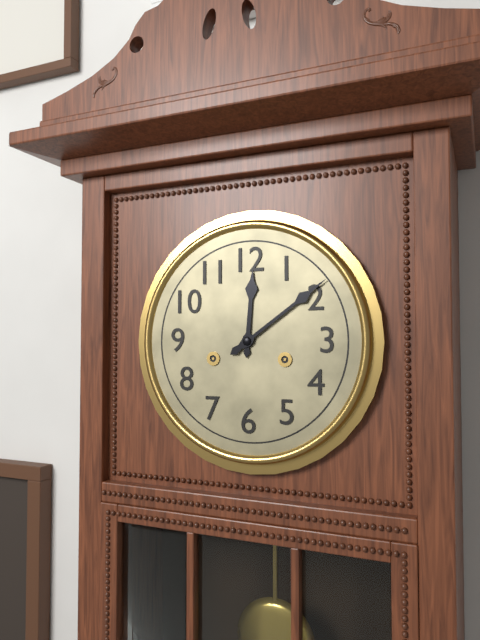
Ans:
**12:09**
